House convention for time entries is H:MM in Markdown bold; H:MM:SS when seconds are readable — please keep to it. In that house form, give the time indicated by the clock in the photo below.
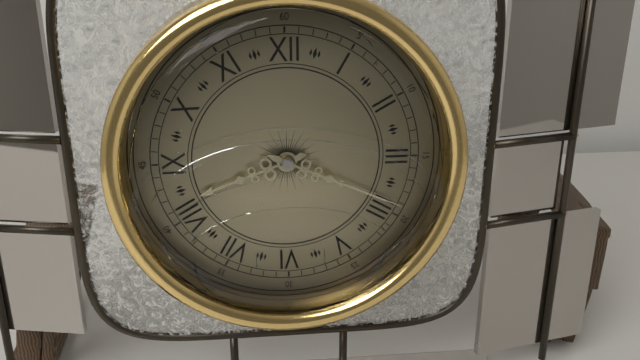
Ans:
**8:19**
